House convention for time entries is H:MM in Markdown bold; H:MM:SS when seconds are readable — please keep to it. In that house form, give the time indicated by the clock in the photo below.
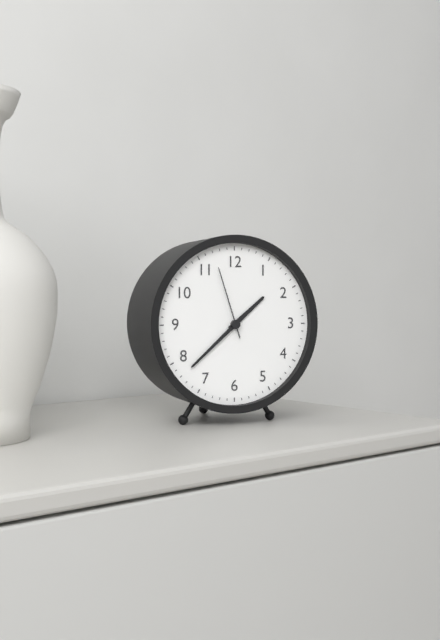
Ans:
**1:38:57**
